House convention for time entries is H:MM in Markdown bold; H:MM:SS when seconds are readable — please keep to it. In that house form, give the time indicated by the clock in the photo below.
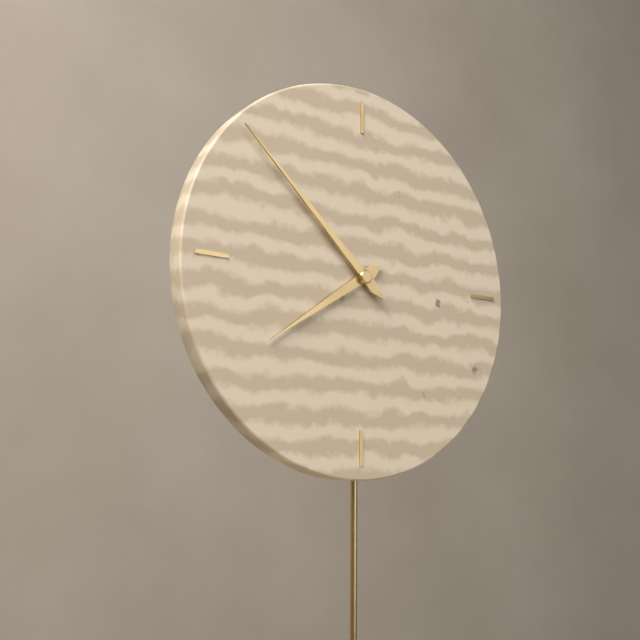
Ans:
**7:52**
